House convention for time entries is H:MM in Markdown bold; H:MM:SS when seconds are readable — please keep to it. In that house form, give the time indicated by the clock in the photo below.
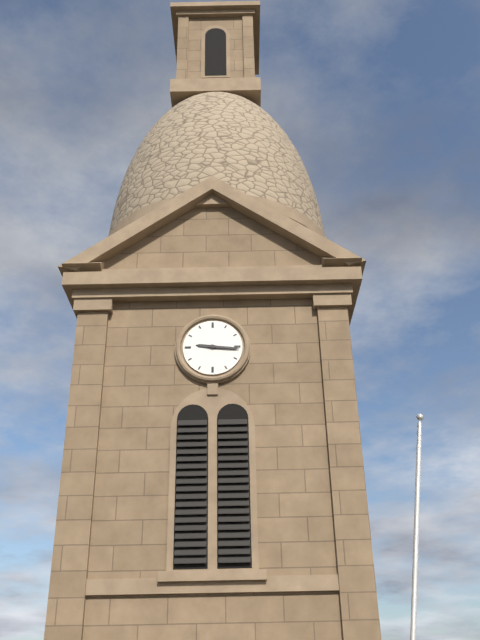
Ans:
**9:16**
